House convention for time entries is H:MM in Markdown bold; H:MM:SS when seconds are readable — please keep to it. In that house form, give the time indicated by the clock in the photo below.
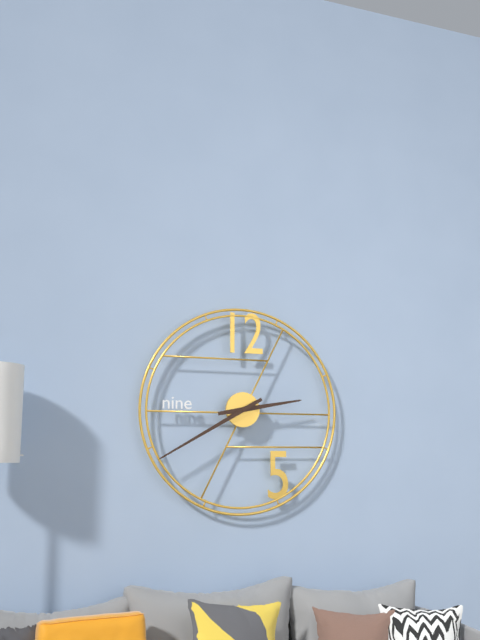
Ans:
**2:40**
